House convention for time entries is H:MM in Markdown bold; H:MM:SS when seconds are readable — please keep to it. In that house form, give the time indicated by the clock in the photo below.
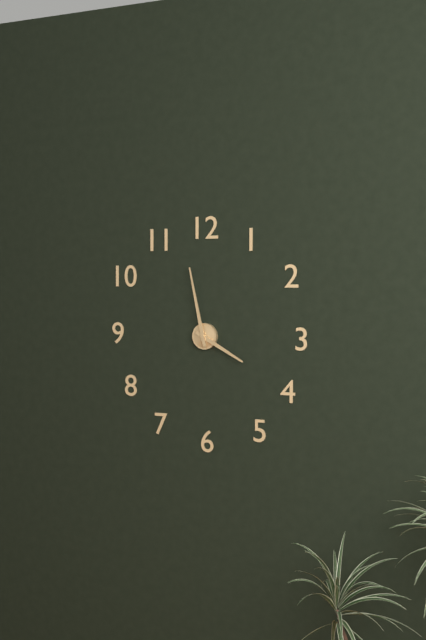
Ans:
**3:58**
